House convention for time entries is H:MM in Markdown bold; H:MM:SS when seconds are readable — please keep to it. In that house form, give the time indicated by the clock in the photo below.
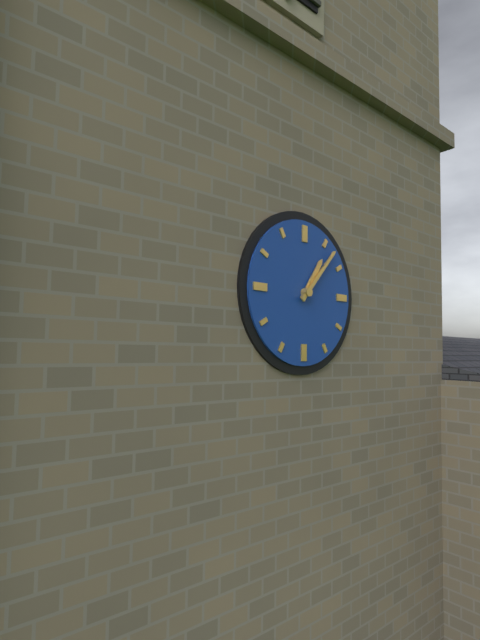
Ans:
**1:07**
